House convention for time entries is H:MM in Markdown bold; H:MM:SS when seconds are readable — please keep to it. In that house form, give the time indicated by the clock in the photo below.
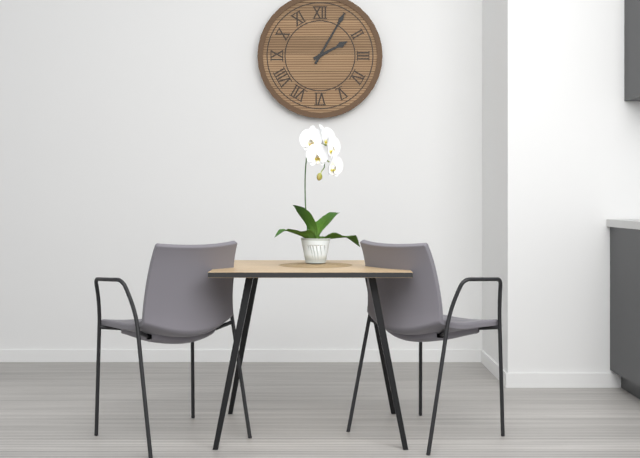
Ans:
**2:05**
